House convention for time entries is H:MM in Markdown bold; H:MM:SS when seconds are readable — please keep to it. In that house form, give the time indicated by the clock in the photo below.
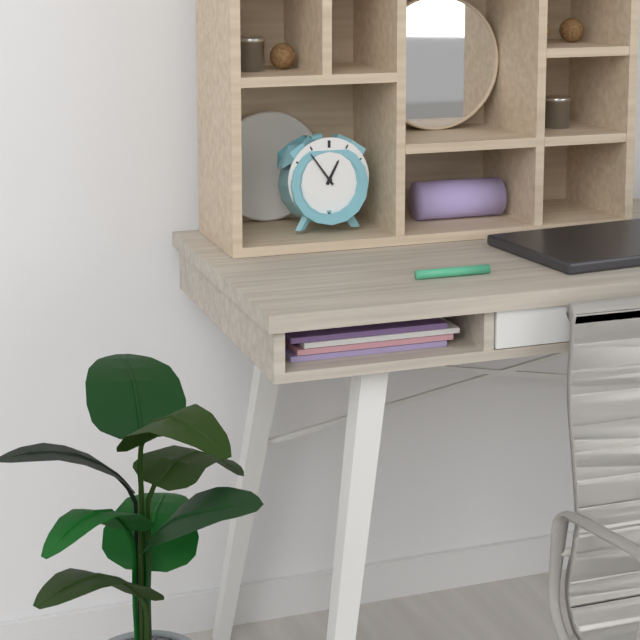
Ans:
**12:54**
